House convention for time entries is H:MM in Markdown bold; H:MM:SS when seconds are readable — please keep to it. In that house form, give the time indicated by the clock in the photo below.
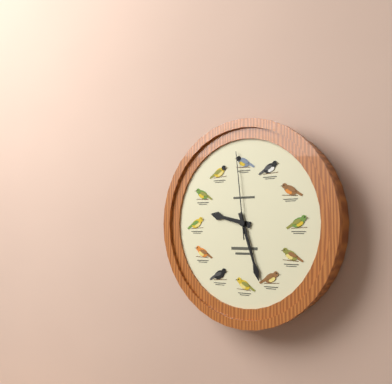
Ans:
**9:27:59**
